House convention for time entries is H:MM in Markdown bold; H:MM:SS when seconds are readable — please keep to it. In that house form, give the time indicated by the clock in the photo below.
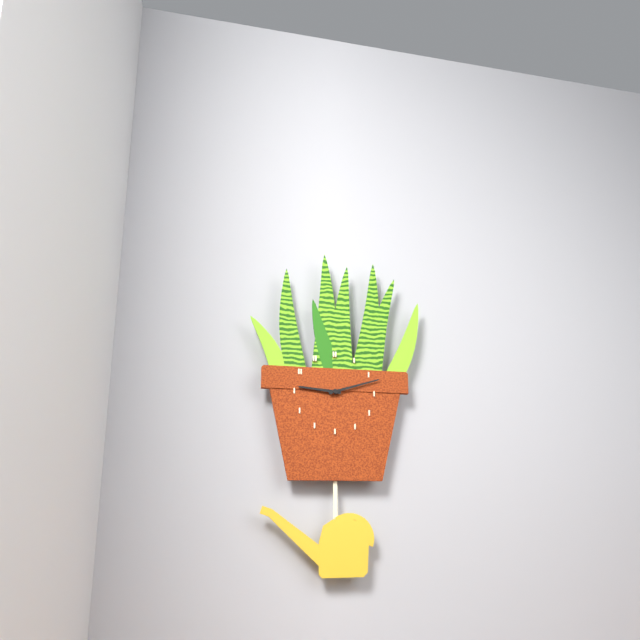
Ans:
**9:12**
